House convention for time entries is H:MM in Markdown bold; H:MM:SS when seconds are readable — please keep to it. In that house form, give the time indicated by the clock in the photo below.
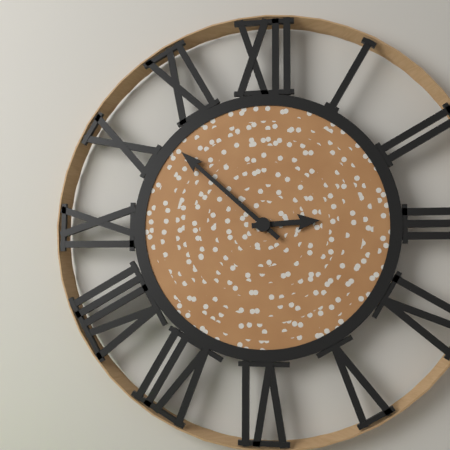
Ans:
**2:52**
